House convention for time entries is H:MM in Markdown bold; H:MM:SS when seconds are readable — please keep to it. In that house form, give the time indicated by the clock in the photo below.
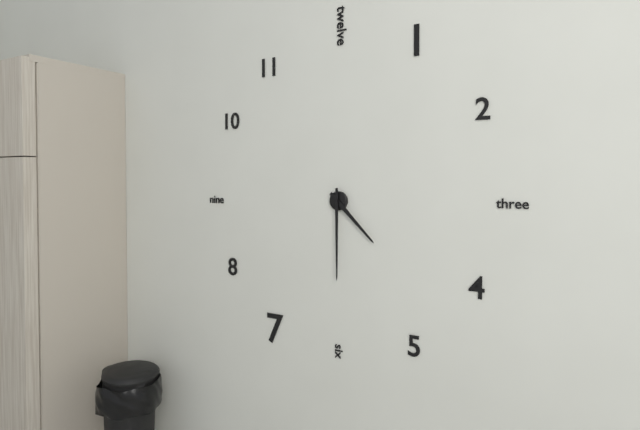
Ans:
**4:30**
